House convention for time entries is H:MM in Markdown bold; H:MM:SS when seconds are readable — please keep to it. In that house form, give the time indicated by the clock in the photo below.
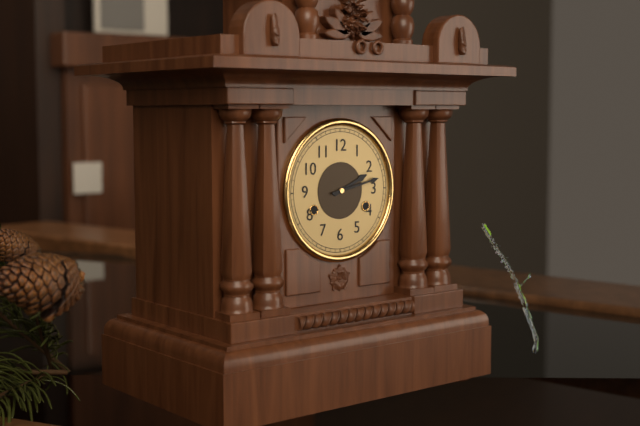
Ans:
**2:13**
